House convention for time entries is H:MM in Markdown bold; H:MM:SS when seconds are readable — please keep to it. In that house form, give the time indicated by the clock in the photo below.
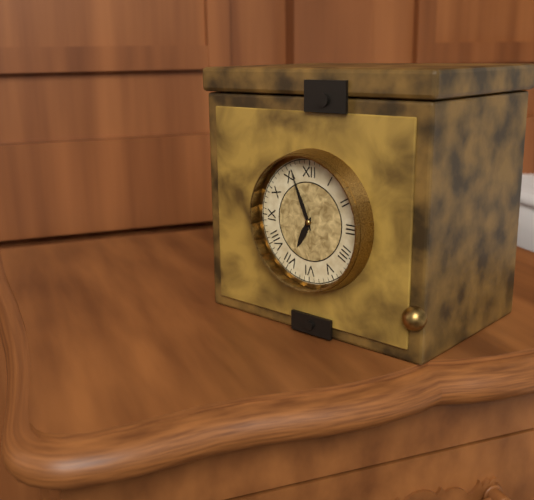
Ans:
**6:56**
